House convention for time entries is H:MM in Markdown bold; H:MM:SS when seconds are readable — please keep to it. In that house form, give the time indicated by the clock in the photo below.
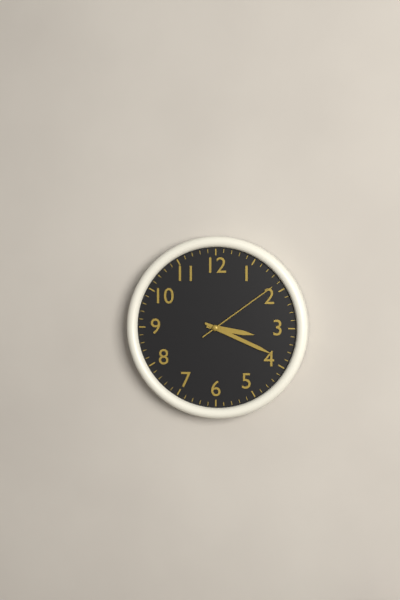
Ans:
**3:19:09**
